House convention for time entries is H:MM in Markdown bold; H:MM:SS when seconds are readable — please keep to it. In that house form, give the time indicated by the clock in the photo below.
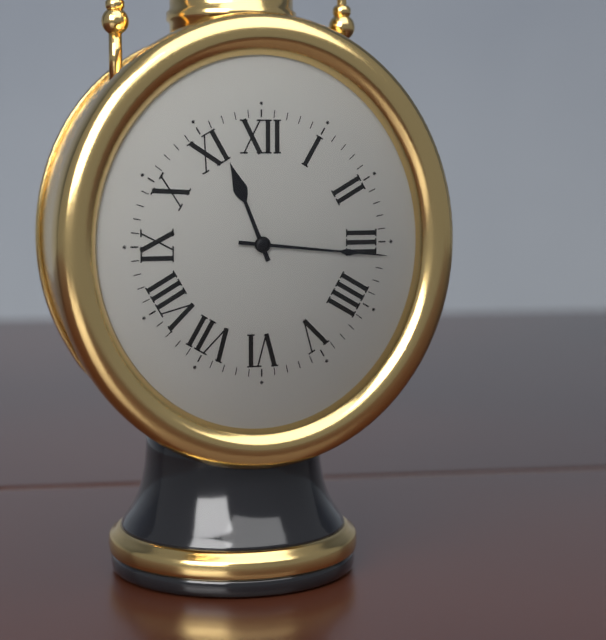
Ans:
**11:16**
